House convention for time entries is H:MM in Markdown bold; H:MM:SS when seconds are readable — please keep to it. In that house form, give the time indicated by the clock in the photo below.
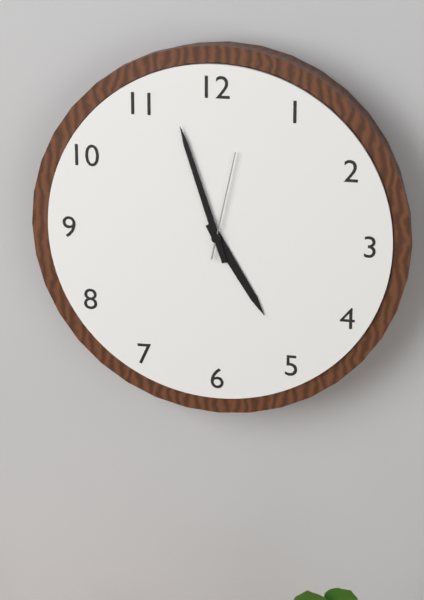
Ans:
**4:57:02**
